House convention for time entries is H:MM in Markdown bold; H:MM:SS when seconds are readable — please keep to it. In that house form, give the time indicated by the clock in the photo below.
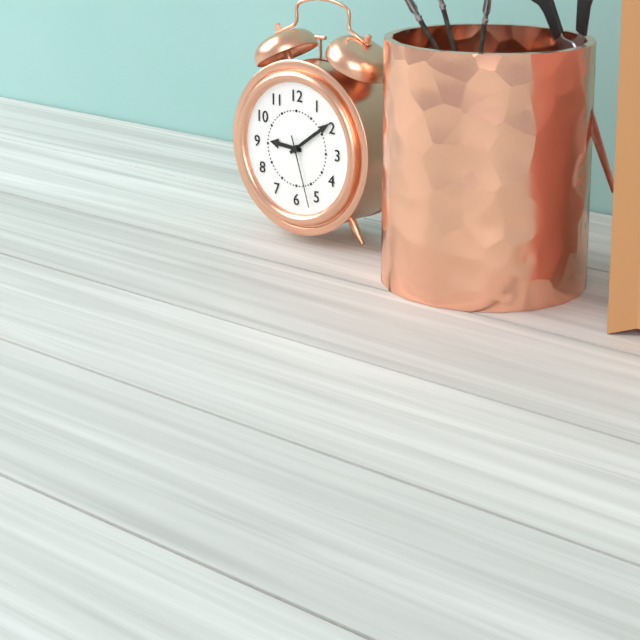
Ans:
**9:09:27**
